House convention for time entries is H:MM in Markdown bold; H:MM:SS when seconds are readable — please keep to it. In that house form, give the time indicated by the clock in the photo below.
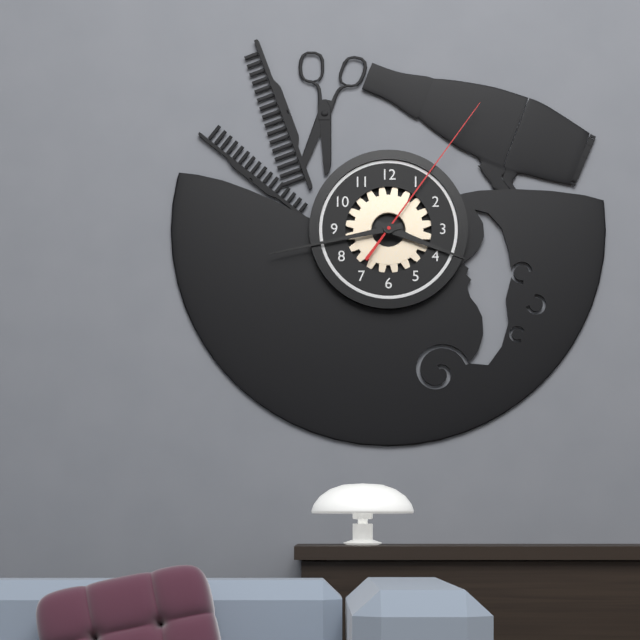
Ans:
**3:43:06**
